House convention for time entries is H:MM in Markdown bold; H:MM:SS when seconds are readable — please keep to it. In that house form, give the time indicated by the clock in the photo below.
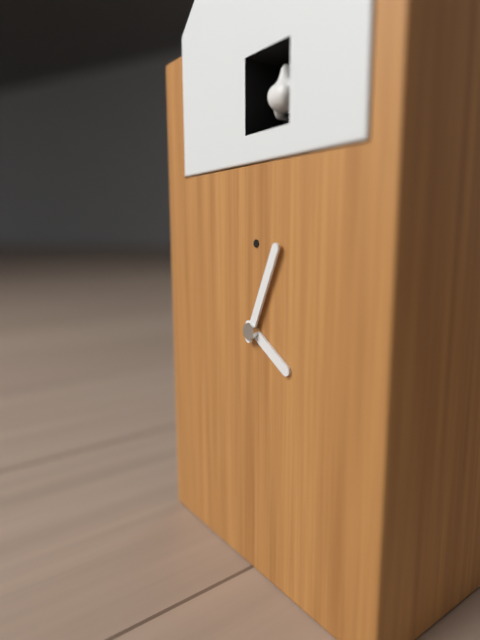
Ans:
**4:04**
